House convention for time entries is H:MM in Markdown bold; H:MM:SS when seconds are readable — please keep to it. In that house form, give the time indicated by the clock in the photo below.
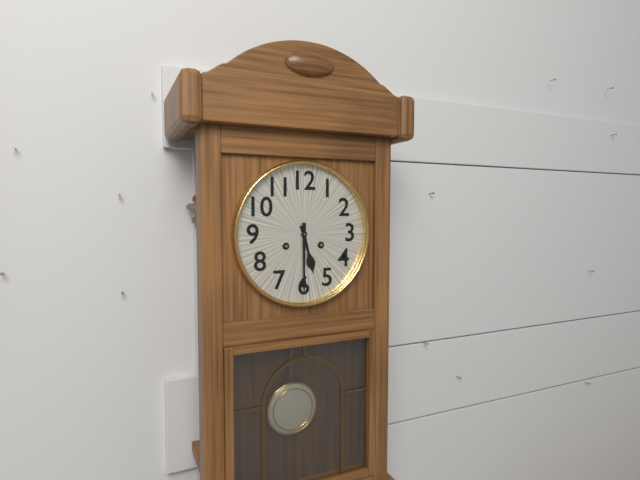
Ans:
**5:30**
